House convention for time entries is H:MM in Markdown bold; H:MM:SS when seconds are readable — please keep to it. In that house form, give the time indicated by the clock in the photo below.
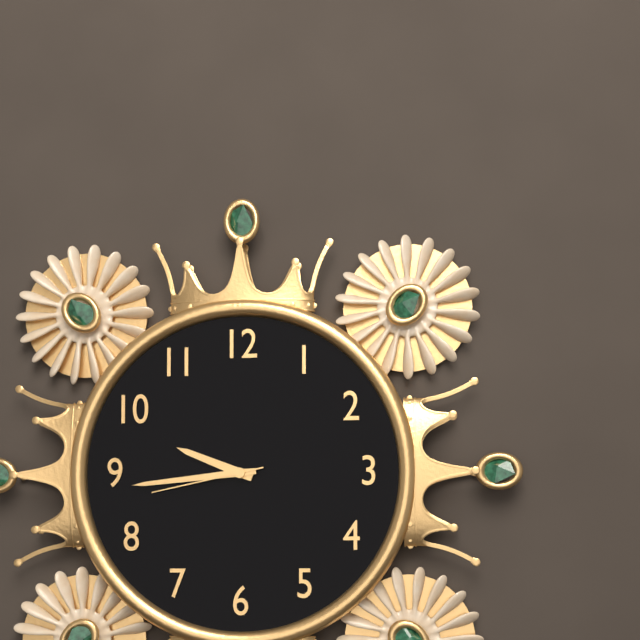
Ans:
**9:44:43**
